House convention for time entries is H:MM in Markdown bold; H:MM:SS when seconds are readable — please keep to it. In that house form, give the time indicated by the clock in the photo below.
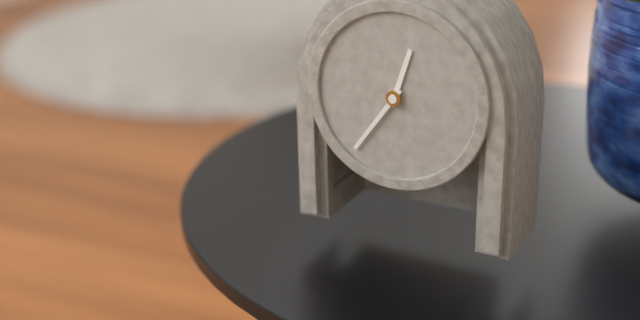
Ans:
**12:36**
